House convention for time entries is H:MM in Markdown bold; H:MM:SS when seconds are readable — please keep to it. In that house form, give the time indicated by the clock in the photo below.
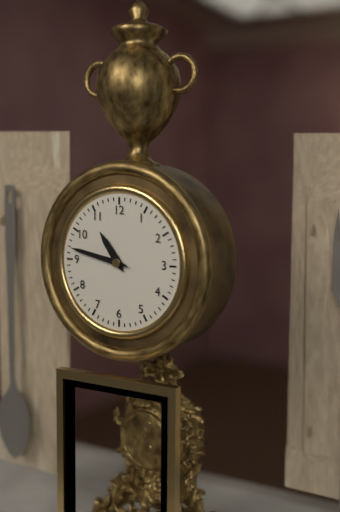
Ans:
**10:47**
